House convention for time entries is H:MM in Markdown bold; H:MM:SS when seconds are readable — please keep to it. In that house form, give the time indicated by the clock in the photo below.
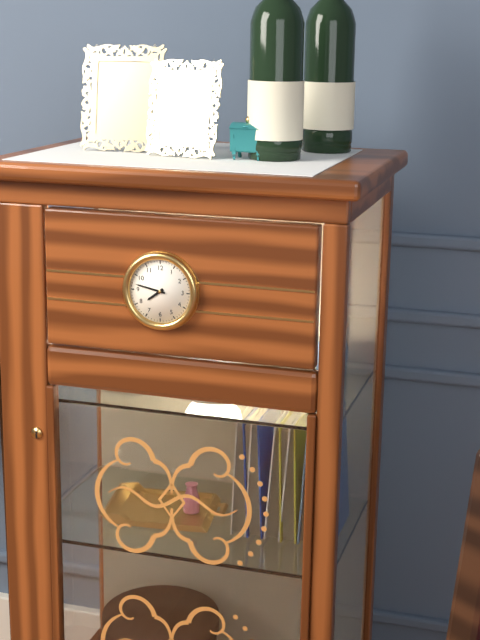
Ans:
**7:47**
